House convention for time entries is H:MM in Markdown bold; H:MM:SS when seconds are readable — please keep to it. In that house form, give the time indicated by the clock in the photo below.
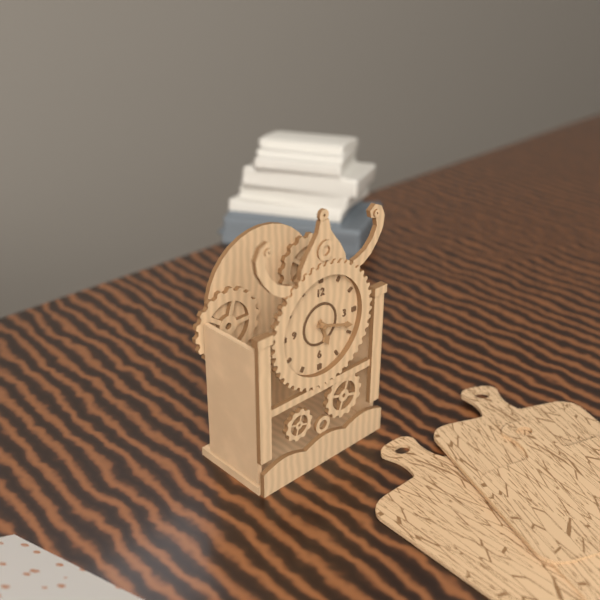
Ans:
**5:18**
